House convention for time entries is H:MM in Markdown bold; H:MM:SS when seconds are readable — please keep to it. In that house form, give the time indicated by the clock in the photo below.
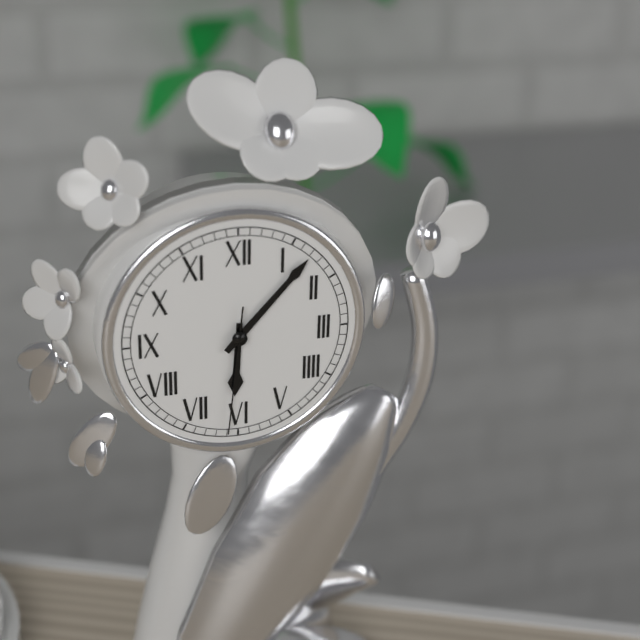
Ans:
**6:07:31**
